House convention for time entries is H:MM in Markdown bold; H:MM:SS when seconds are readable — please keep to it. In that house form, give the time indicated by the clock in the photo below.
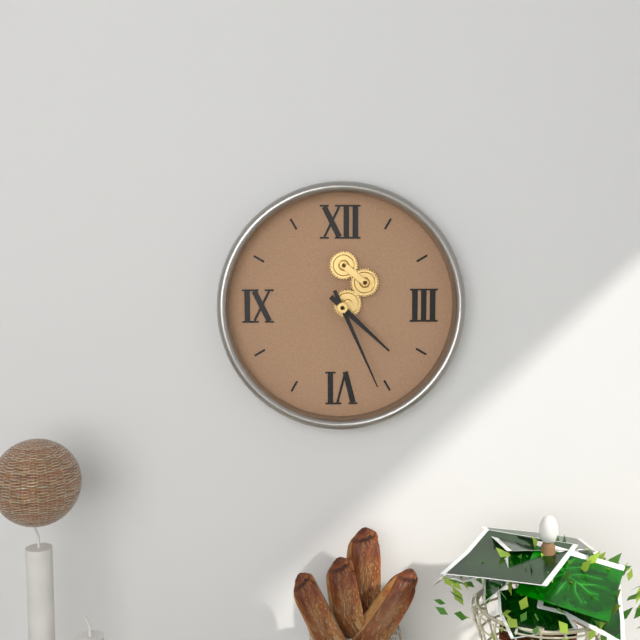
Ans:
**4:26**
